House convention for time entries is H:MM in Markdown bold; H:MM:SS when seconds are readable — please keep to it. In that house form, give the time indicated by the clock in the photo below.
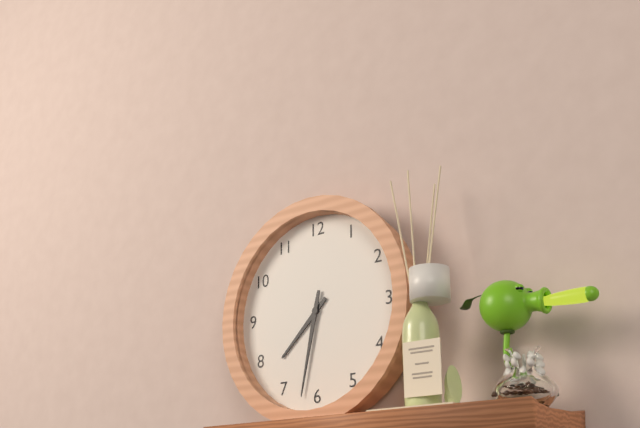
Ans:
**7:32**
